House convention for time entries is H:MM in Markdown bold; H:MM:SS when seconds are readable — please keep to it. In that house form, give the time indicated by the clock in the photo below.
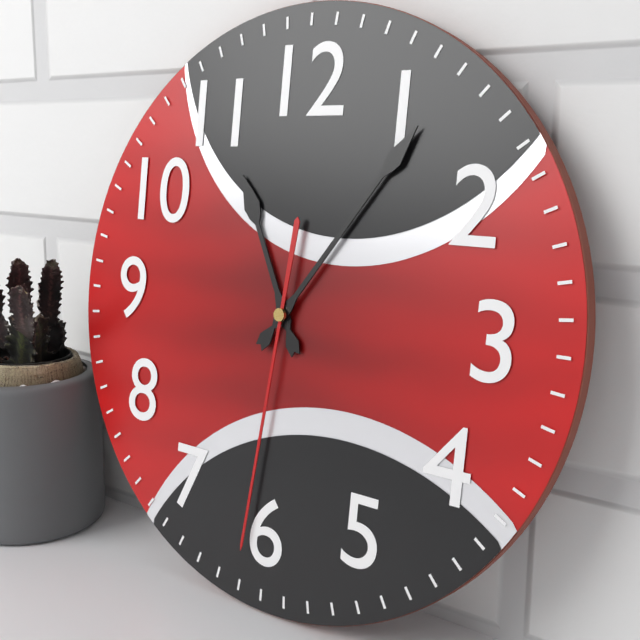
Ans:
**11:06:31**
